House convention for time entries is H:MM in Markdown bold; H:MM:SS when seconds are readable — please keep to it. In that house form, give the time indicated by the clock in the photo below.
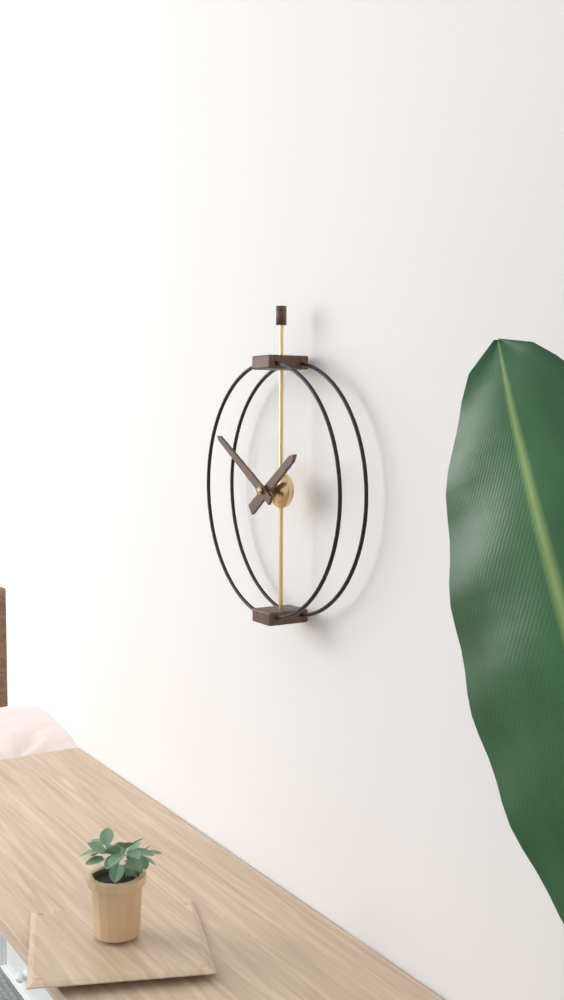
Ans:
**1:50**
